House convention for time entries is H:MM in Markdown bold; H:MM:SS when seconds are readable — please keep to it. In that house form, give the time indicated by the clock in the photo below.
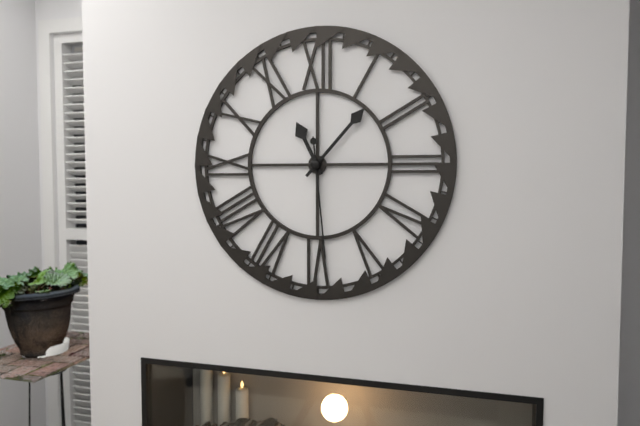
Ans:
**11:07:29**
